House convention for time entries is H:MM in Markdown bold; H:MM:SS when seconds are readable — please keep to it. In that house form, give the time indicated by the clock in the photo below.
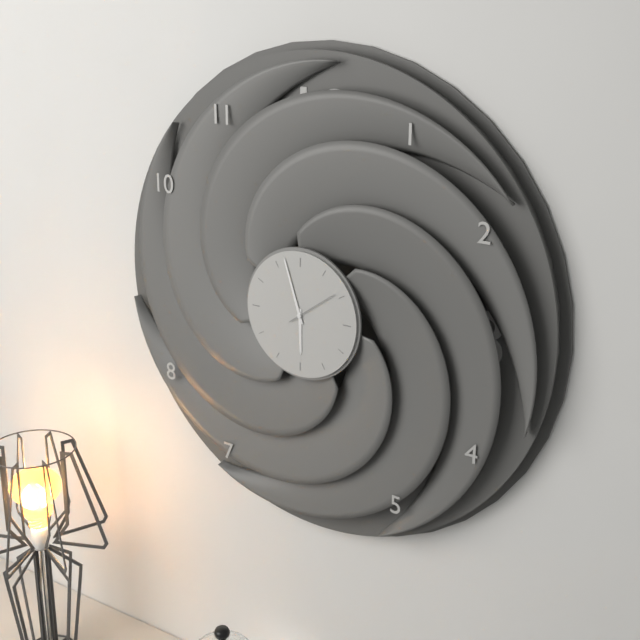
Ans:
**5:57:09**
